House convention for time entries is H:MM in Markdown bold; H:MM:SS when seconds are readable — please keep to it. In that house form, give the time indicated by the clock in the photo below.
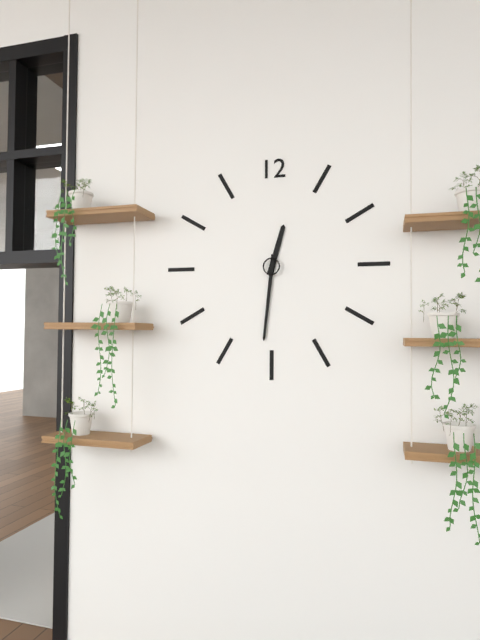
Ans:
**12:31**
